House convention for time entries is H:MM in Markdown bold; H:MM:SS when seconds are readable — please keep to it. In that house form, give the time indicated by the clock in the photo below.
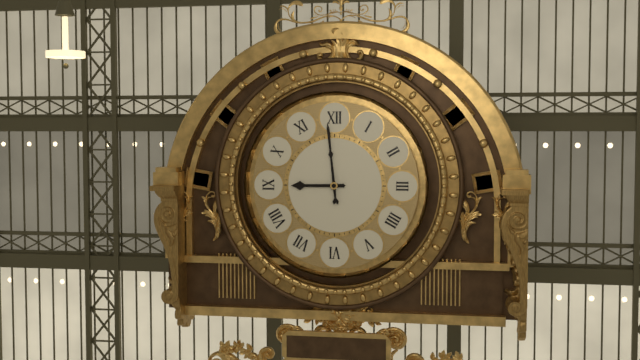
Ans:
**8:59**
